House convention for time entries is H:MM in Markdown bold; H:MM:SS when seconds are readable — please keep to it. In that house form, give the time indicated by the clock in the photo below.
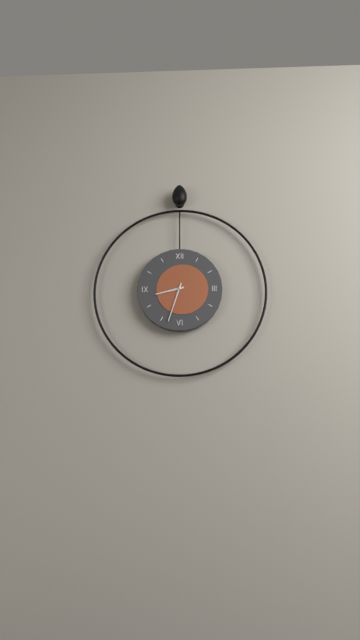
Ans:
**8:33**
